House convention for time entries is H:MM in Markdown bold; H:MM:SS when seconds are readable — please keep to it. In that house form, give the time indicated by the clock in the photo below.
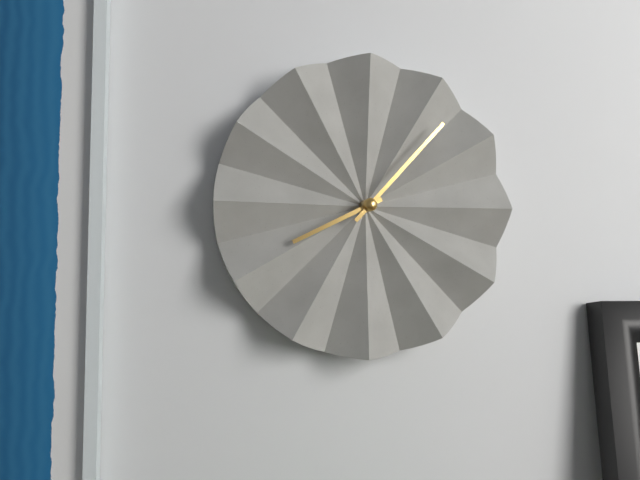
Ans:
**8:07**
